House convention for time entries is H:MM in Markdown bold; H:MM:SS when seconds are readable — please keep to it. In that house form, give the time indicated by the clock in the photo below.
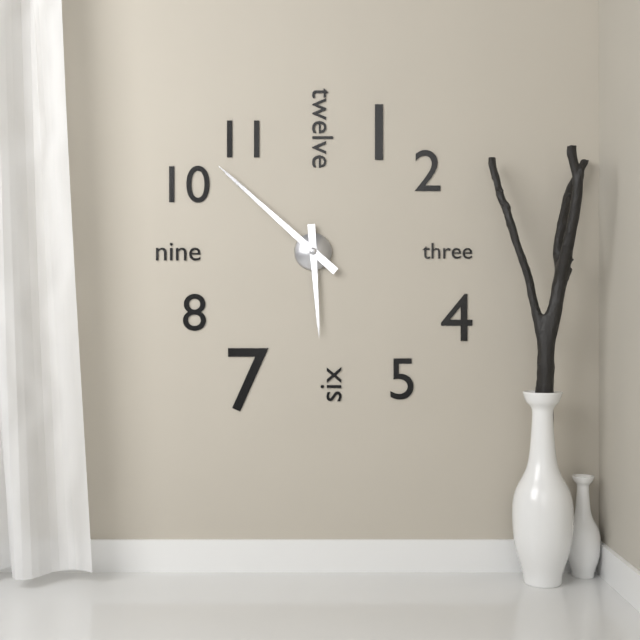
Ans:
**5:52**
